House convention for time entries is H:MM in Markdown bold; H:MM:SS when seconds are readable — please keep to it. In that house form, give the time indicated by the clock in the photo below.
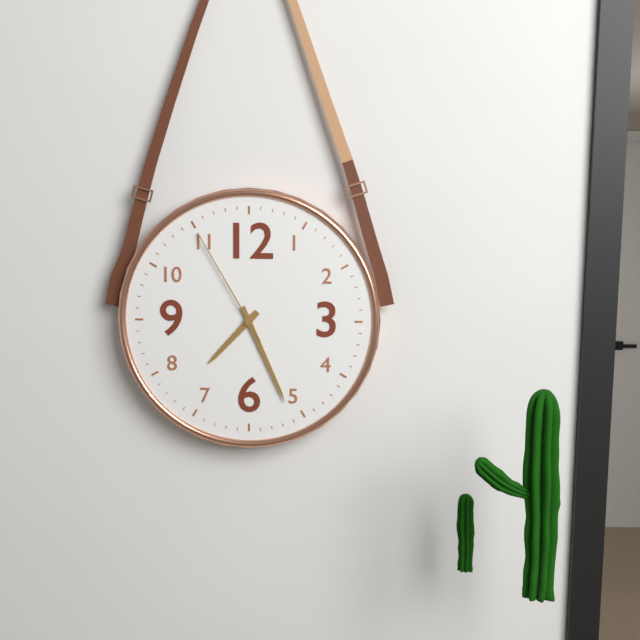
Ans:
**7:26:55**
